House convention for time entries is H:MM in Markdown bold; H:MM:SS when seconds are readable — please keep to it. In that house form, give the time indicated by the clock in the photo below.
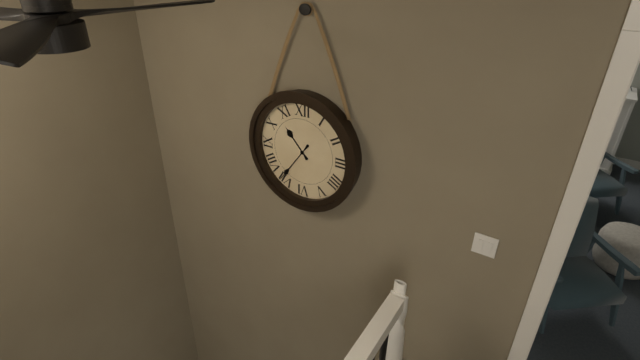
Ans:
**10:36**
